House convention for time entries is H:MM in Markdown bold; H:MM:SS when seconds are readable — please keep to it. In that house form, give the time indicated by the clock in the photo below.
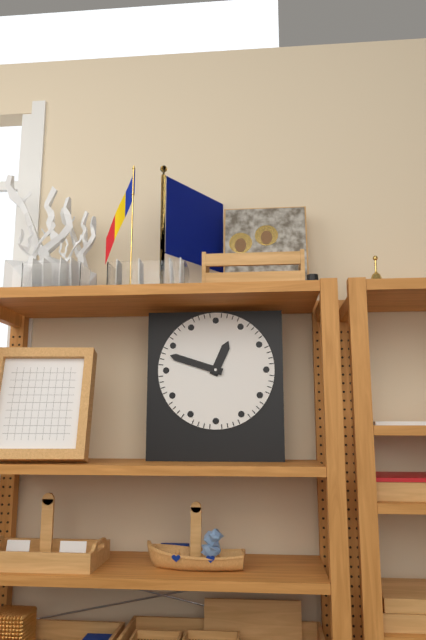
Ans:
**12:48**
